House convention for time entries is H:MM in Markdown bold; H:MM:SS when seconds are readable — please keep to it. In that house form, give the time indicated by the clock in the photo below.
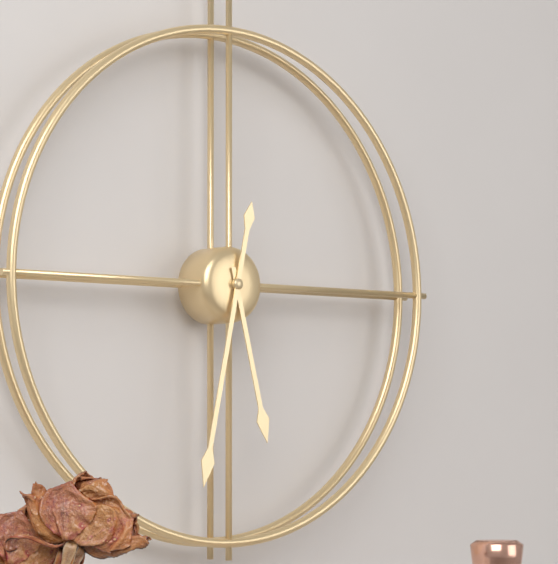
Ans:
**5:32**
